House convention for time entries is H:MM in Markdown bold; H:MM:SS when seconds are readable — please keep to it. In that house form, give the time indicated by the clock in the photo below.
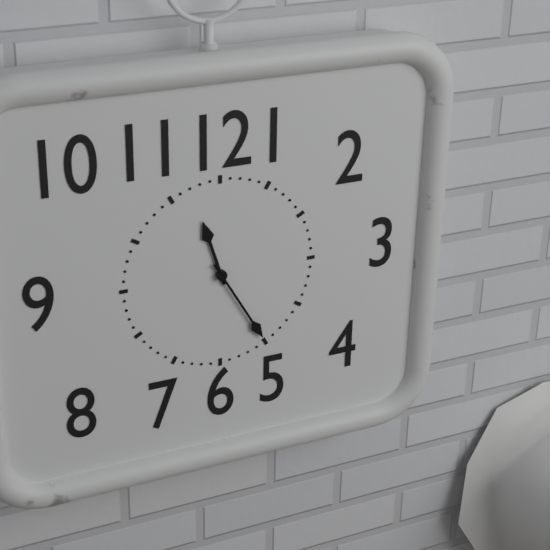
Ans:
**11:25**
